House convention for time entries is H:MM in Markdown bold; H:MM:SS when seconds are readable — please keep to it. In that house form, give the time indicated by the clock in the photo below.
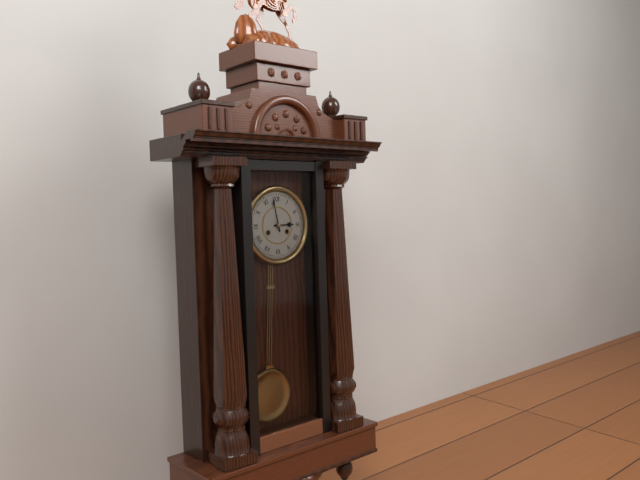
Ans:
**2:58**
